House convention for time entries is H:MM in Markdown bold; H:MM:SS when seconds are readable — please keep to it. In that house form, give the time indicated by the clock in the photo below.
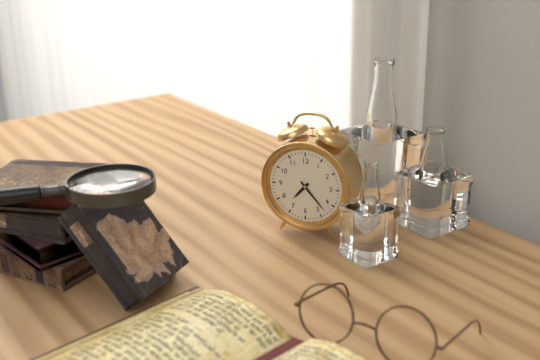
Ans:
**7:23**
